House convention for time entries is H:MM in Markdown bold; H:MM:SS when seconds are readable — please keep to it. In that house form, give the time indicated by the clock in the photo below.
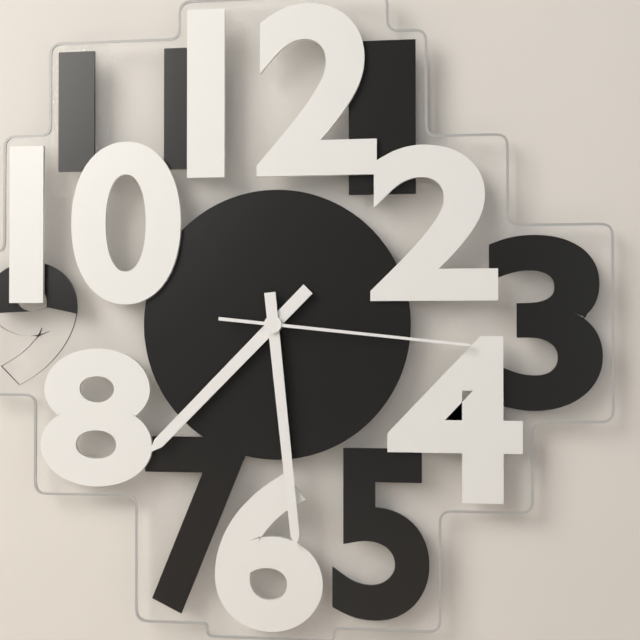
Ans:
**7:29:16**
